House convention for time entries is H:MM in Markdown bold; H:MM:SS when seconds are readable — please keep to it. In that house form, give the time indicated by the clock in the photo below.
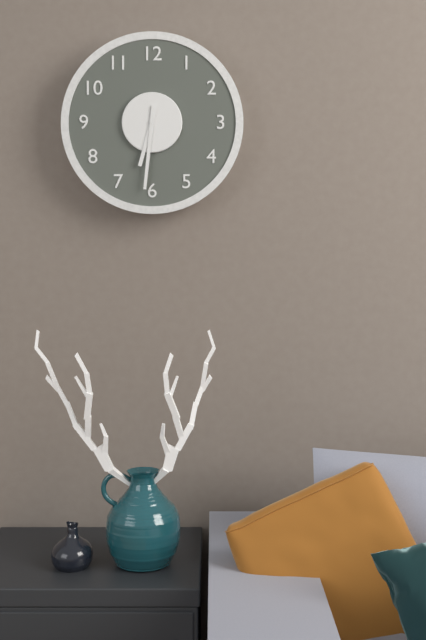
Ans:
**6:31**
